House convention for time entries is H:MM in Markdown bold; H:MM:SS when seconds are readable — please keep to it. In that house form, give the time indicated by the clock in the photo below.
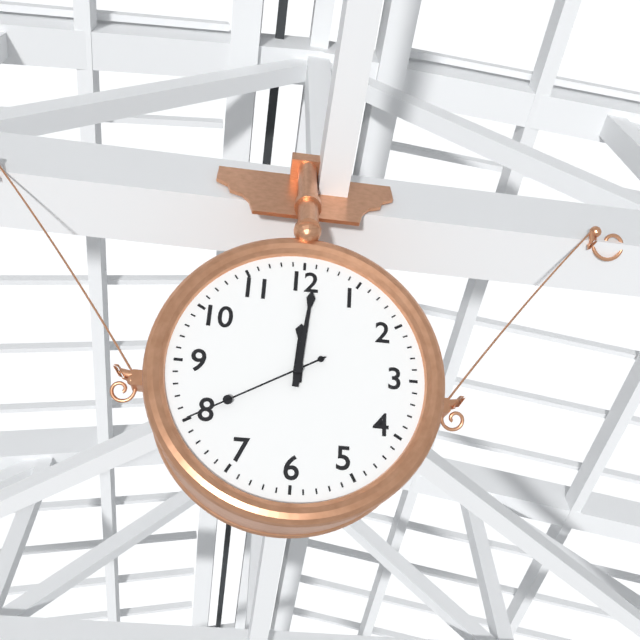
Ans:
**12:01:40**
